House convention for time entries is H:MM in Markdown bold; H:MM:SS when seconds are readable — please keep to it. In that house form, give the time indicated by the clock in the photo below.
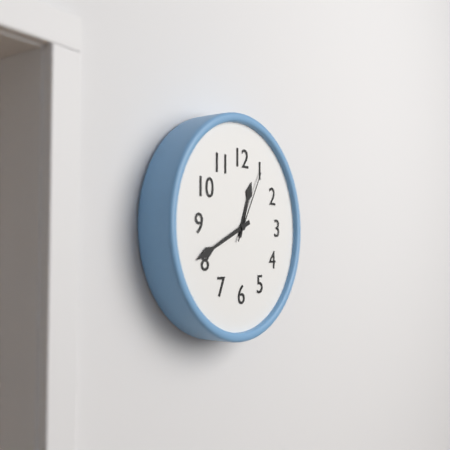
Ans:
**12:41:05**
